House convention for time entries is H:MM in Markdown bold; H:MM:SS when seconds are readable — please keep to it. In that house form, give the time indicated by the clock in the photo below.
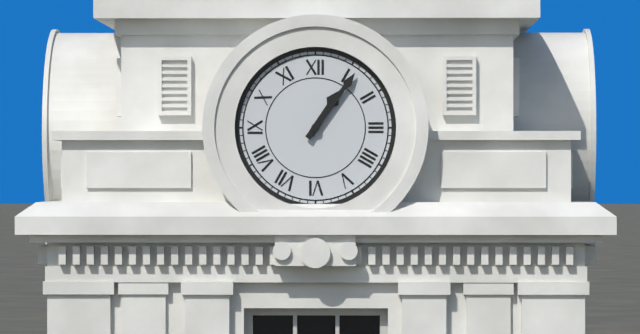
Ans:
**1:06**
